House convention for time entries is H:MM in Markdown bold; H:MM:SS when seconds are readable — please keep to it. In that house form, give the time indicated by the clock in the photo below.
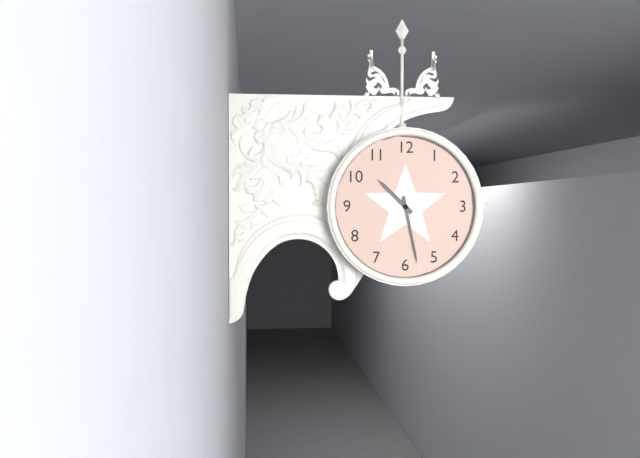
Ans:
**10:28**
